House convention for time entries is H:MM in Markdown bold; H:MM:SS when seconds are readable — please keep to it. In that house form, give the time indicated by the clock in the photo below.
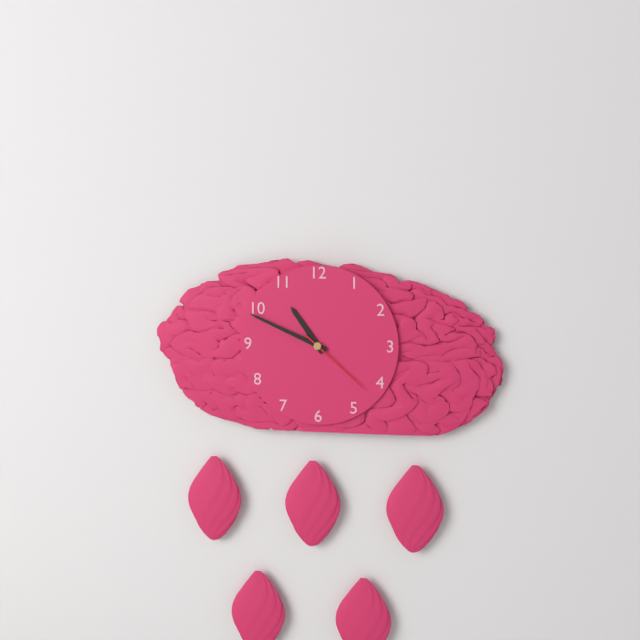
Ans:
**10:49:22**
